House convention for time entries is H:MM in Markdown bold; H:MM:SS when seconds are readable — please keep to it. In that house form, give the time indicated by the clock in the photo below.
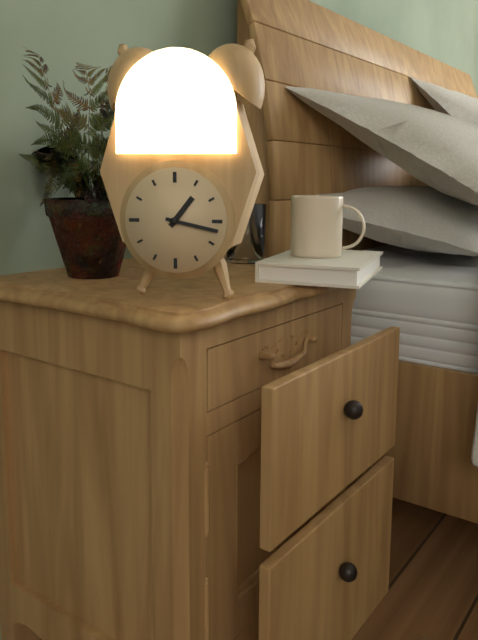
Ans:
**1:17**
